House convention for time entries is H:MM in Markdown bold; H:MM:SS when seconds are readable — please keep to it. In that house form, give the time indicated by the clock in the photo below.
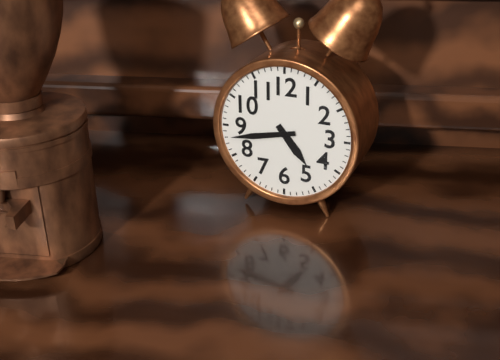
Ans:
**4:43**
